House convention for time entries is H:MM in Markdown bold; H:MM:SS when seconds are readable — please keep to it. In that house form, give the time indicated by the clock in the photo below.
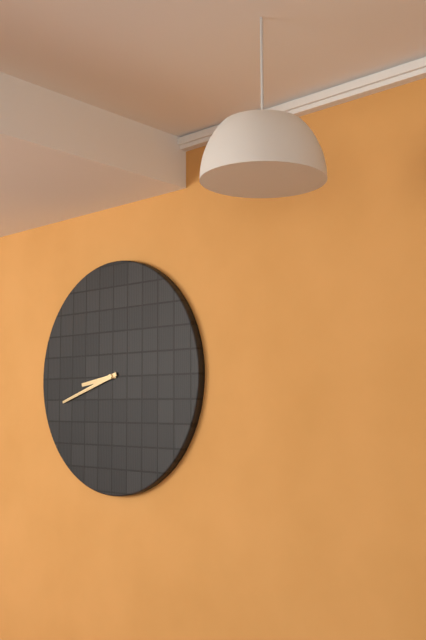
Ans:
**8:42**
